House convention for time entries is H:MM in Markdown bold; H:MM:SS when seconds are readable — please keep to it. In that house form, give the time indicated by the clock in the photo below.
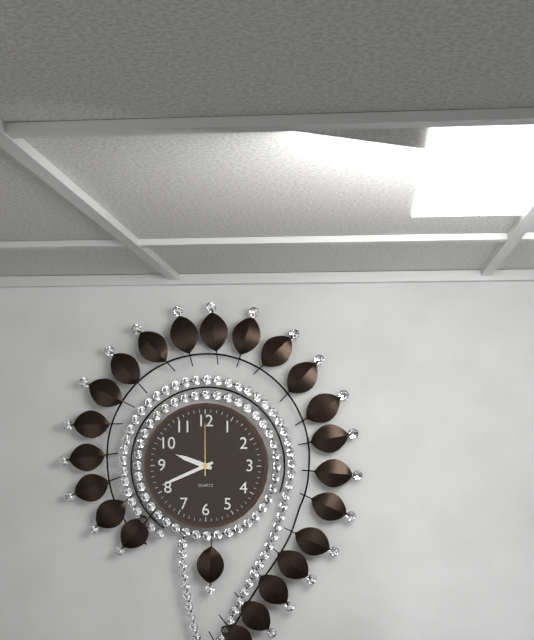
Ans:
**9:41:00**
